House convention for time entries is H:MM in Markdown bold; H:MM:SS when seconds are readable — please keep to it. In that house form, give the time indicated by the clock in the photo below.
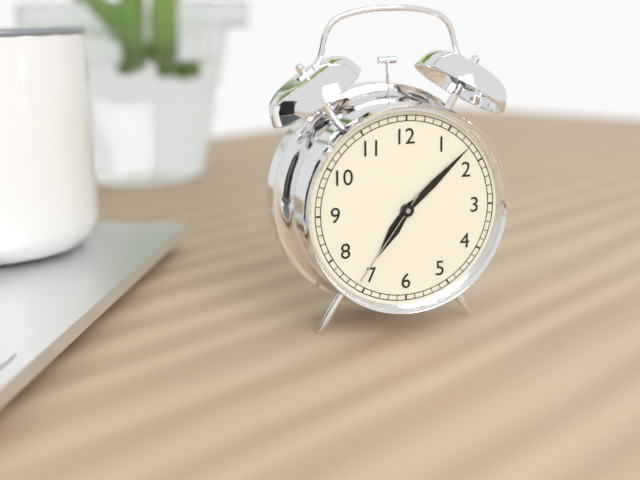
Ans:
**7:08:36**
